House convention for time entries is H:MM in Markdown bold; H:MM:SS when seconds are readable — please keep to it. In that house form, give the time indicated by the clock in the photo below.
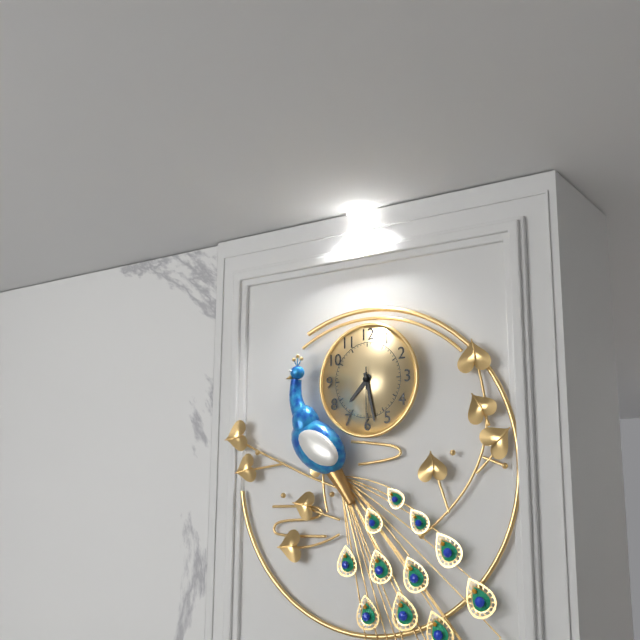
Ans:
**7:28:30**
